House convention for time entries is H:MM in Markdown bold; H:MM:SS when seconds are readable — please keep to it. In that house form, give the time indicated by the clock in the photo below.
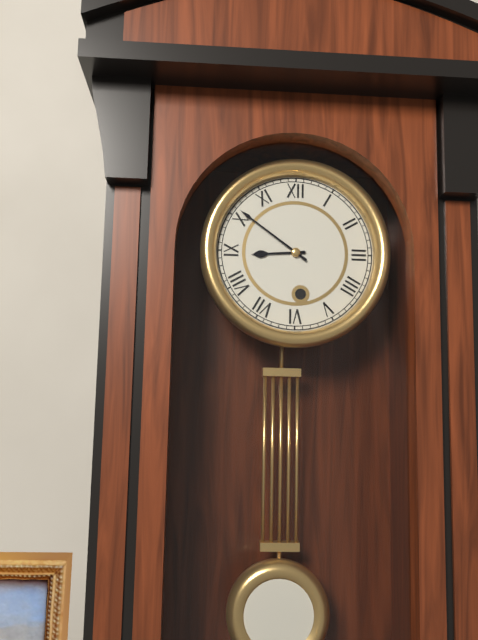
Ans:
**8:51**
